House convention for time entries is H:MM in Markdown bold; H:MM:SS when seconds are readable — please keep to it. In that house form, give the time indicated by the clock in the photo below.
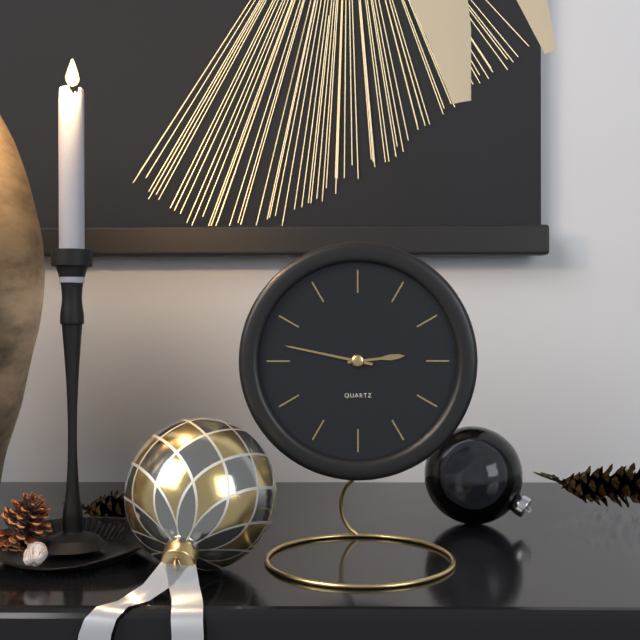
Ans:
**2:47**
